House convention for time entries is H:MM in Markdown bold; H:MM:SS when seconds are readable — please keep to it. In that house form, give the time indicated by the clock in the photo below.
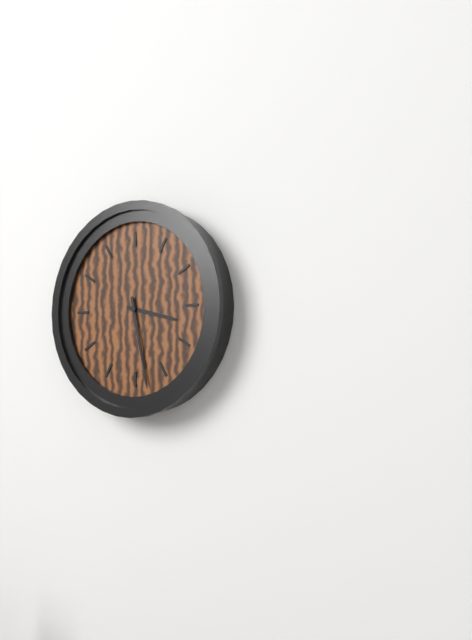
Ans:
**3:28**
